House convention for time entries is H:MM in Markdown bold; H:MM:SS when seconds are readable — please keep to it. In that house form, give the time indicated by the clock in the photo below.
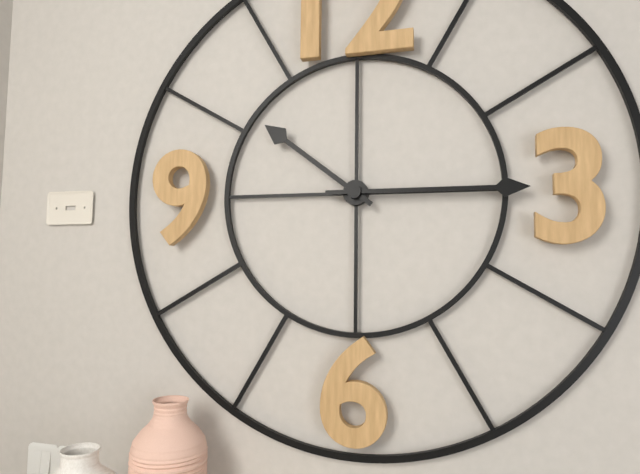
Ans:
**10:15**
